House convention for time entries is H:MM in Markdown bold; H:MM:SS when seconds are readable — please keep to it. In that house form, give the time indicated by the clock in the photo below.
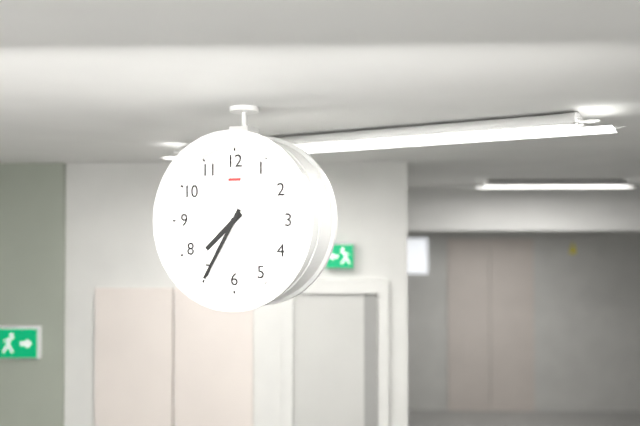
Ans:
**7:35**
